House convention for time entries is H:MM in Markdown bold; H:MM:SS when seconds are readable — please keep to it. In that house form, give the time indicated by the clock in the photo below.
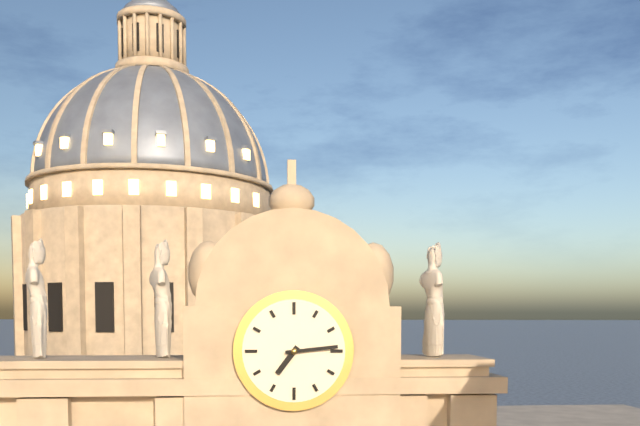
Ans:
**7:14**
